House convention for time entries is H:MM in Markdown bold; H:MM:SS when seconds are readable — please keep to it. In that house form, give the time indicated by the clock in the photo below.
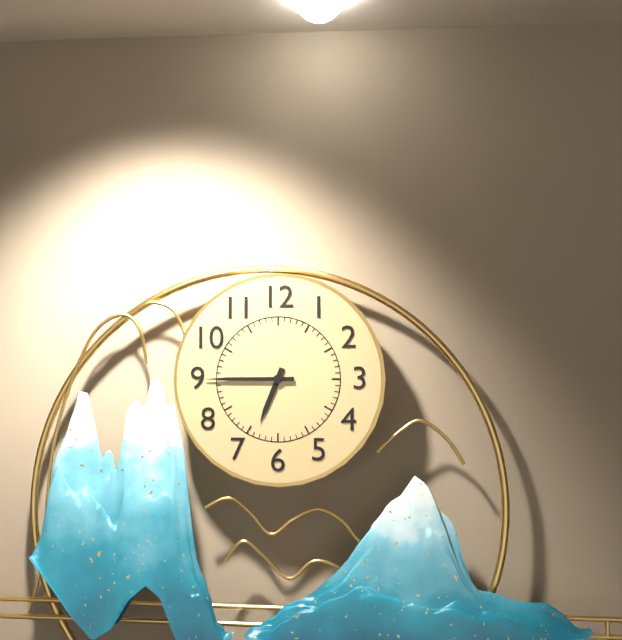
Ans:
**6:45**
